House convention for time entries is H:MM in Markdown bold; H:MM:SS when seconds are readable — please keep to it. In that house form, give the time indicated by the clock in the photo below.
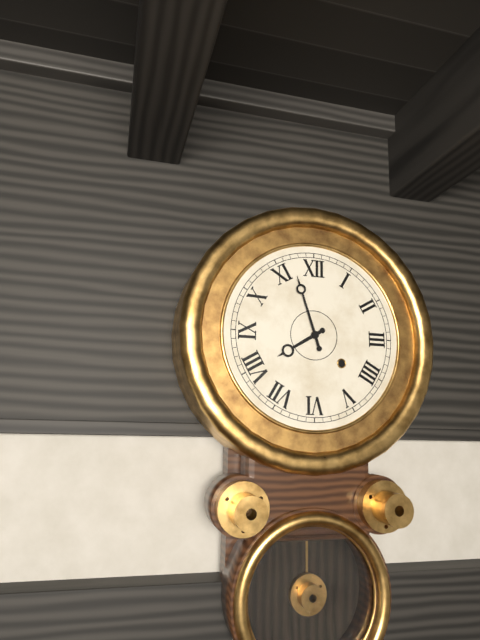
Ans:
**7:57**
